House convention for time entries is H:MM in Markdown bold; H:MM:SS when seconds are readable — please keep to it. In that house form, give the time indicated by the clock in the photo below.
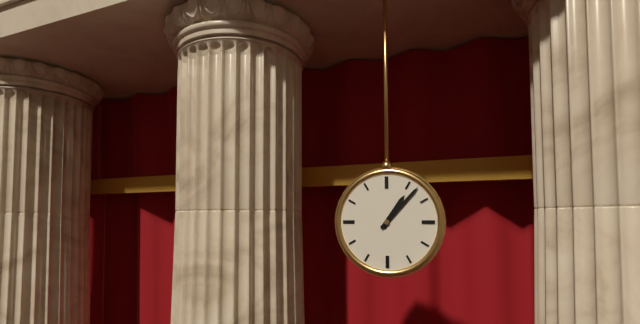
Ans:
**1:07**
